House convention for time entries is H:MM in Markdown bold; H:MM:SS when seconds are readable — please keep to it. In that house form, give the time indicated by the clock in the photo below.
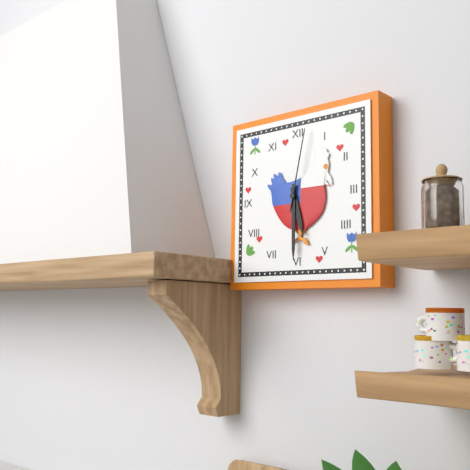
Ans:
**5:30:02**
